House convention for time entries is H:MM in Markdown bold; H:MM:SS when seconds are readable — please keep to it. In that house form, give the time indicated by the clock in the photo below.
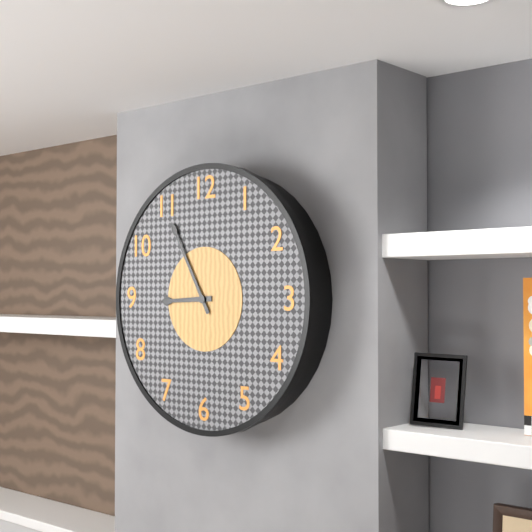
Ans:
**8:55**
